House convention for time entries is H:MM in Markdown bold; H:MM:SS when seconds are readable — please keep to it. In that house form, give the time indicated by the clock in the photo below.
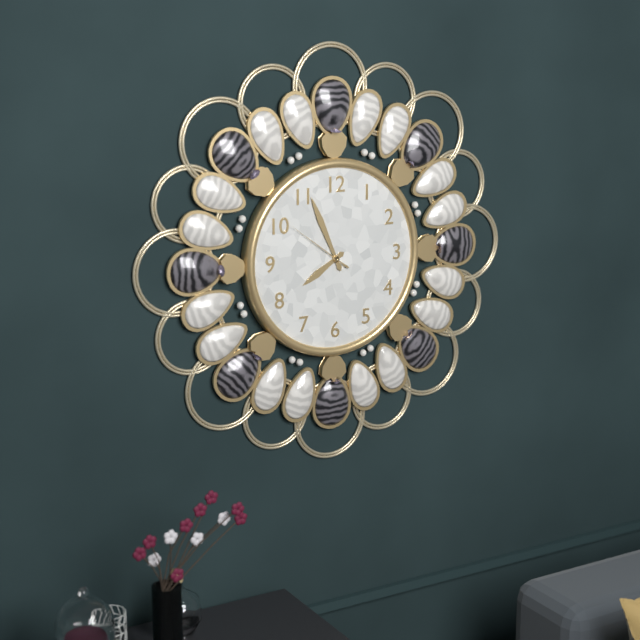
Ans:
**7:56:51**
